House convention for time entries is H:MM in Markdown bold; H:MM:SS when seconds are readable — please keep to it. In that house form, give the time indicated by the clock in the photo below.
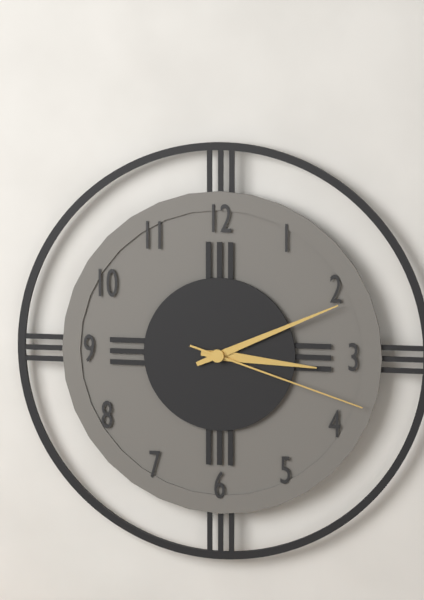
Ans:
**3:11:18**
